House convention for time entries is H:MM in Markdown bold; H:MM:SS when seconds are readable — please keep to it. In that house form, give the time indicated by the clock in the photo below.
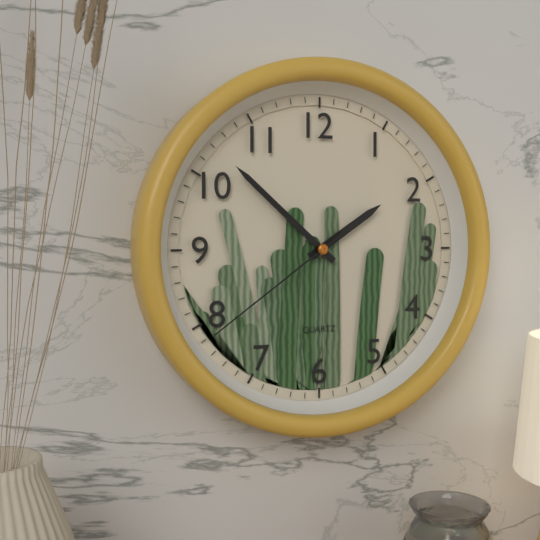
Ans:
**1:52:39**
